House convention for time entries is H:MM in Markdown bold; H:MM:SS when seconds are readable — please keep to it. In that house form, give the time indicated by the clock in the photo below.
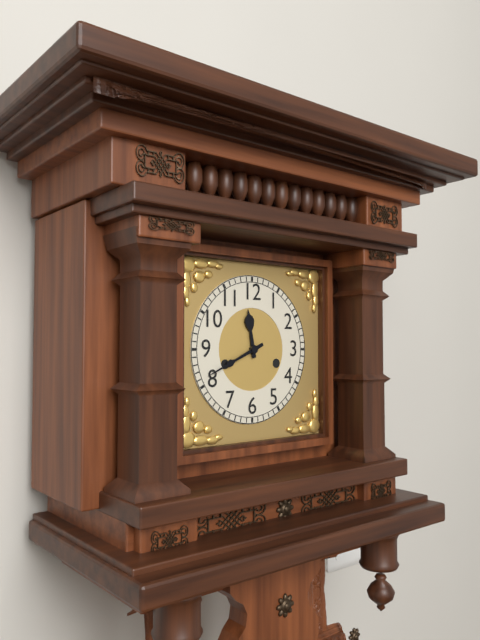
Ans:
**11:41**
